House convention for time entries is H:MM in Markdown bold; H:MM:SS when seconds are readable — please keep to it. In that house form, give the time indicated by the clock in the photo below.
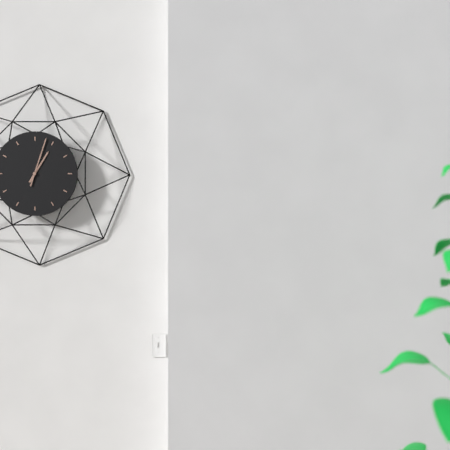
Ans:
**1:03**
